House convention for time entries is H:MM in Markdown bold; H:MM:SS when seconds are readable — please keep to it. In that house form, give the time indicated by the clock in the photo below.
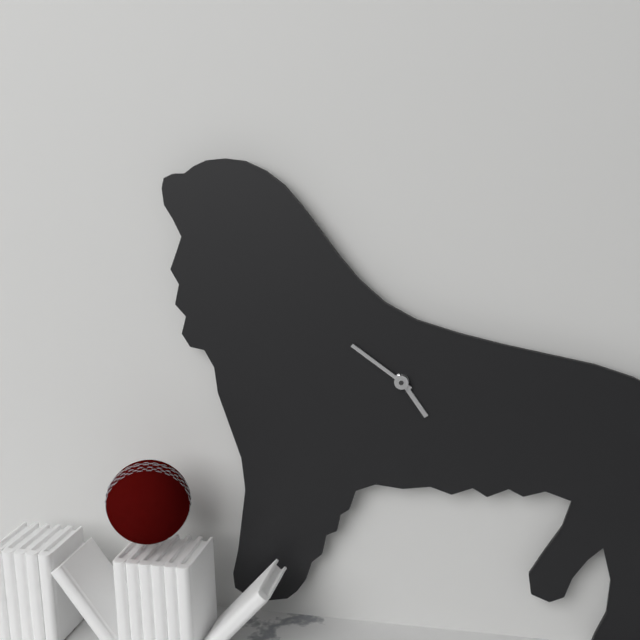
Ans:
**4:51**
